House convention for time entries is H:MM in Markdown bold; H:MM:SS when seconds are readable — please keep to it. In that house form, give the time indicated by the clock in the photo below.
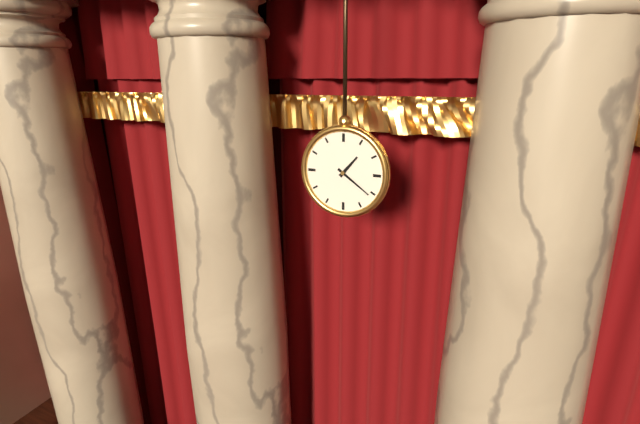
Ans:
**1:21**
